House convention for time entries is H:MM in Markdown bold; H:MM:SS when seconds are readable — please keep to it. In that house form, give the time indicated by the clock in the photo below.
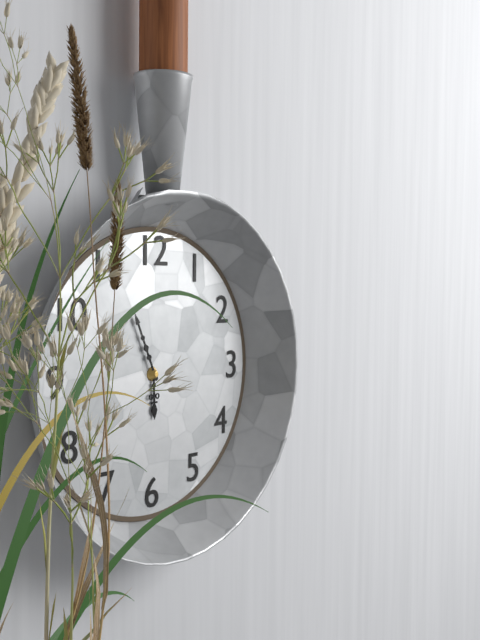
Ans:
**5:56**
